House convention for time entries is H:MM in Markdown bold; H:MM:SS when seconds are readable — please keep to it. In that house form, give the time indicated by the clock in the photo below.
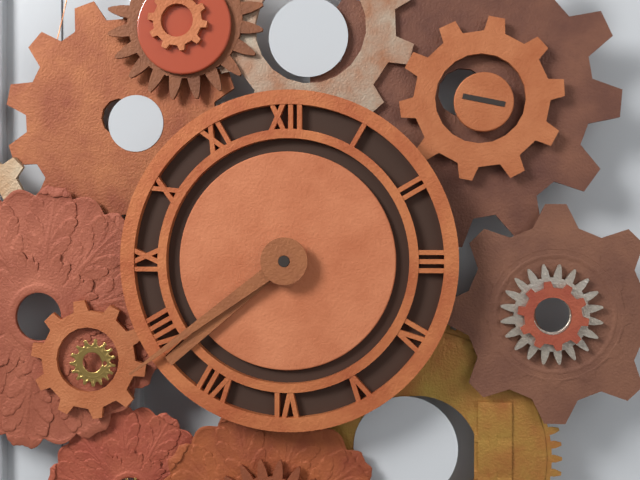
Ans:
**7:39**
